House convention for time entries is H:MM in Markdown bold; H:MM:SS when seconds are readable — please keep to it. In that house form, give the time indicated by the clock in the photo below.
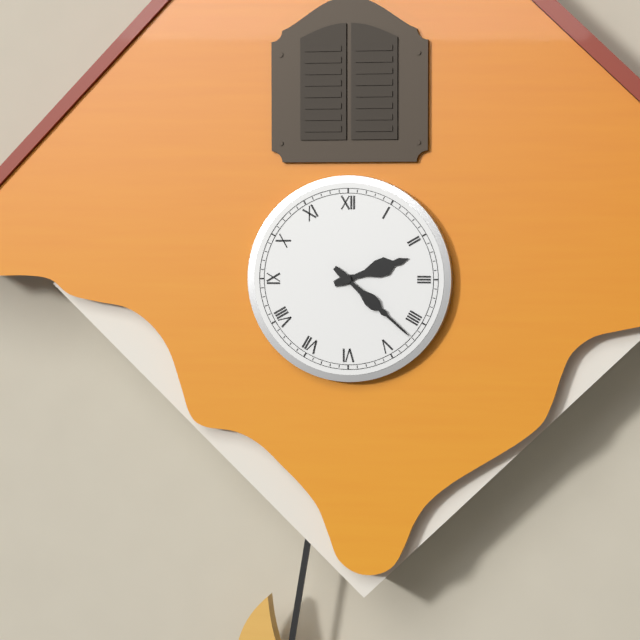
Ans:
**2:22**
